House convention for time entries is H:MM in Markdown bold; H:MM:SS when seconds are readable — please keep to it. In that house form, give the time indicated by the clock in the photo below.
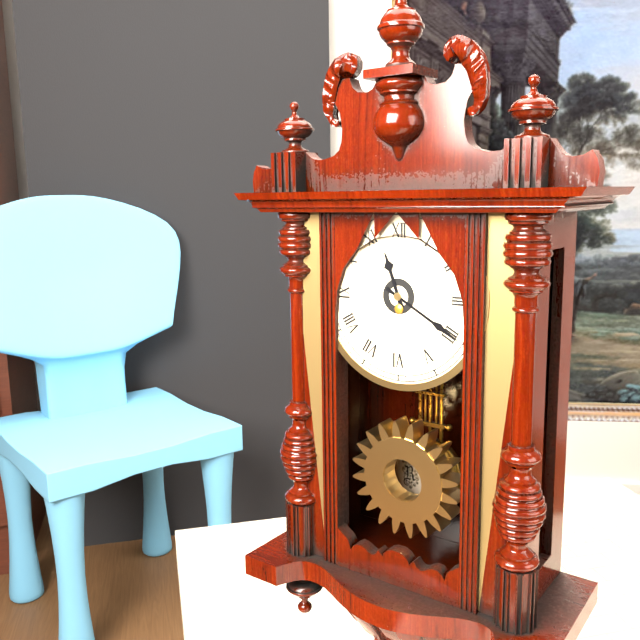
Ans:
**11:20**
